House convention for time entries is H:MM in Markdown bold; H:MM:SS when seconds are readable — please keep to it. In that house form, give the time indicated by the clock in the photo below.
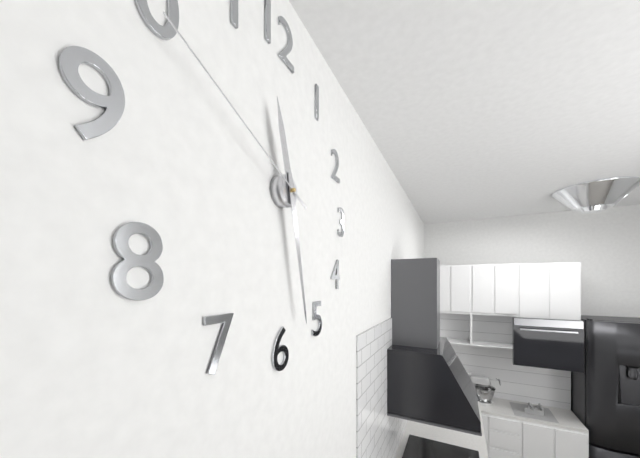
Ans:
**11:28:49**
